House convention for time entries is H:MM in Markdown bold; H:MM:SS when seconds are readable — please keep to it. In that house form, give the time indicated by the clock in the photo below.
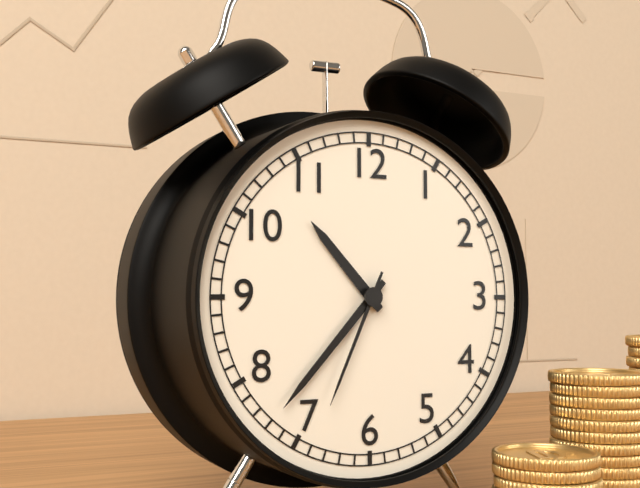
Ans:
**10:37:34**
